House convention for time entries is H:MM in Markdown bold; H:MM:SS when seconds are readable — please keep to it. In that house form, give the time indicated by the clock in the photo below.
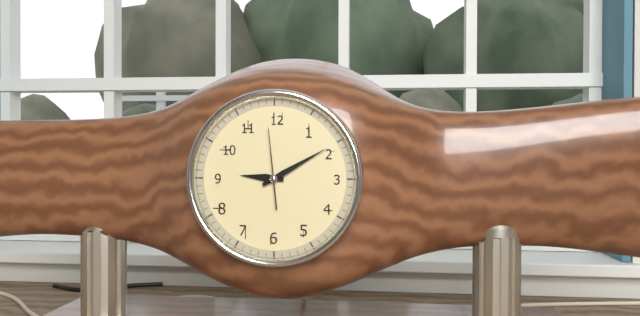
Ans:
**9:10:59**
